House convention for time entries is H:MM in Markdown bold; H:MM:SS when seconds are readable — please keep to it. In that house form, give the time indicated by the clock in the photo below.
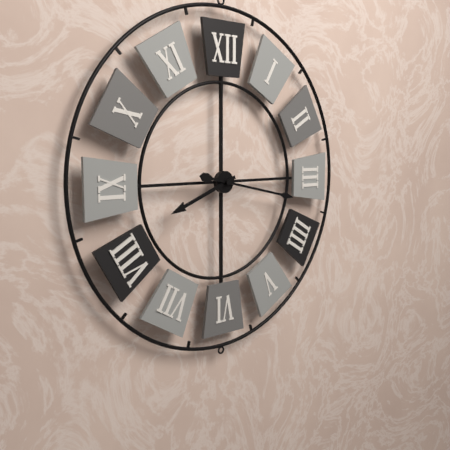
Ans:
**8:17**
